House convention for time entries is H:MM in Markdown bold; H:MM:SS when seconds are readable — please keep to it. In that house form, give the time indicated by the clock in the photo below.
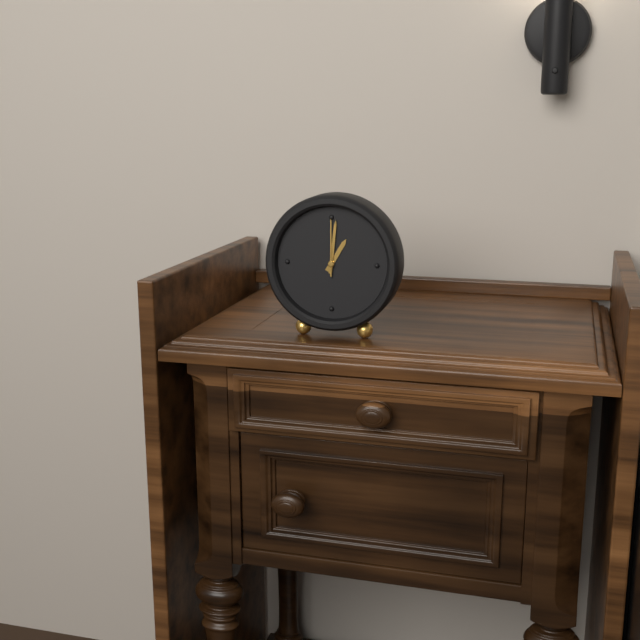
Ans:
**1:01:00**
